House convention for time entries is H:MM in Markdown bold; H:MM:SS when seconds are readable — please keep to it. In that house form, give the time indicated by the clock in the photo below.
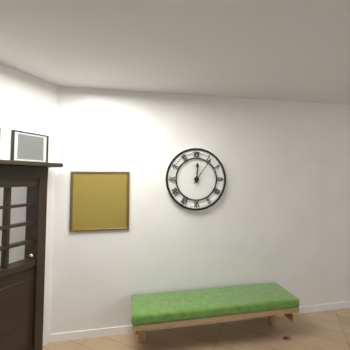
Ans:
**12:06**
